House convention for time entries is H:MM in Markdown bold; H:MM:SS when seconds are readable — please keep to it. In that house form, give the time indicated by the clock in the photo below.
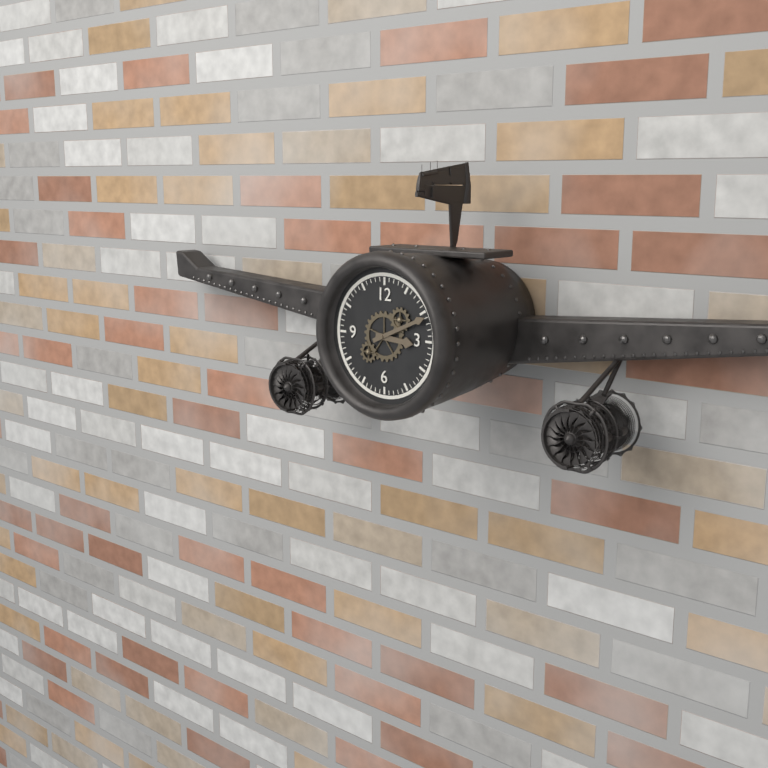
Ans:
**3:11**
